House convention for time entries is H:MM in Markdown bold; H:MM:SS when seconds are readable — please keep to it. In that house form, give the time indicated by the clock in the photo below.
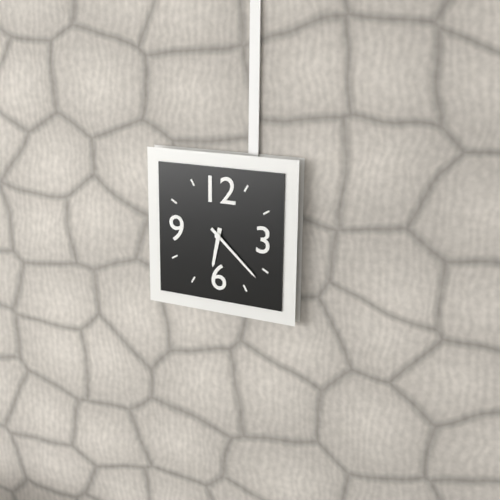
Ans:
**6:22**
